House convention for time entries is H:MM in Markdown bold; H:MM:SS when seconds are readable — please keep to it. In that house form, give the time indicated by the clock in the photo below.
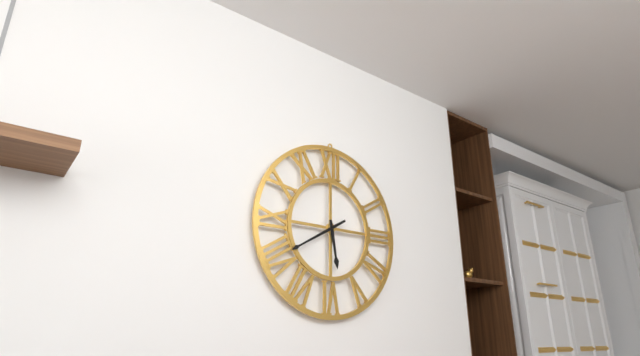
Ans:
**5:40**
